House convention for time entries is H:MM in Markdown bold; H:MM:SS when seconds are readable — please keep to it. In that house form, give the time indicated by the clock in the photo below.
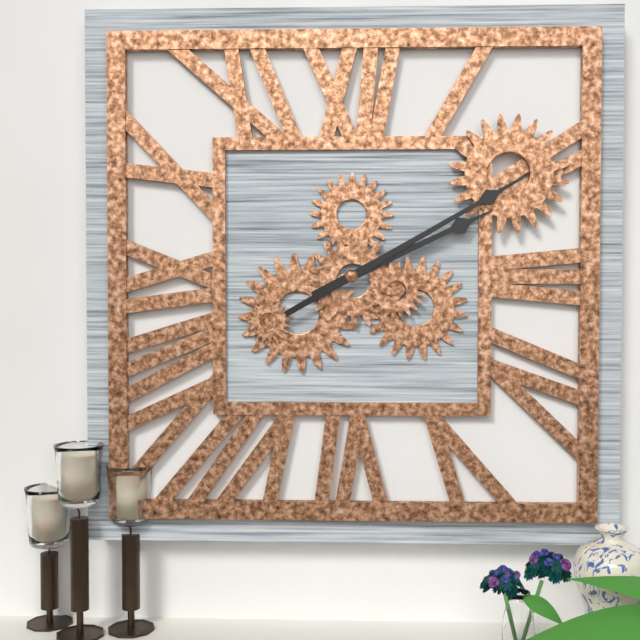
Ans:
**2:10**
